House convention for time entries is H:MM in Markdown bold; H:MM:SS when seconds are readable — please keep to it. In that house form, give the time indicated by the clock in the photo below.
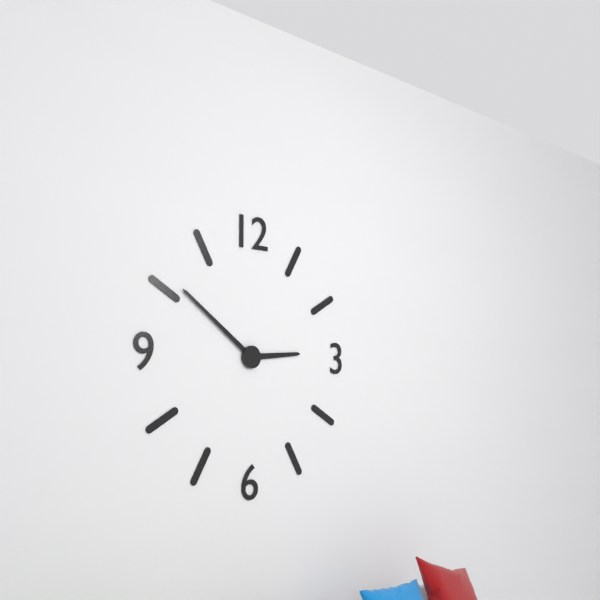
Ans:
**2:51**
